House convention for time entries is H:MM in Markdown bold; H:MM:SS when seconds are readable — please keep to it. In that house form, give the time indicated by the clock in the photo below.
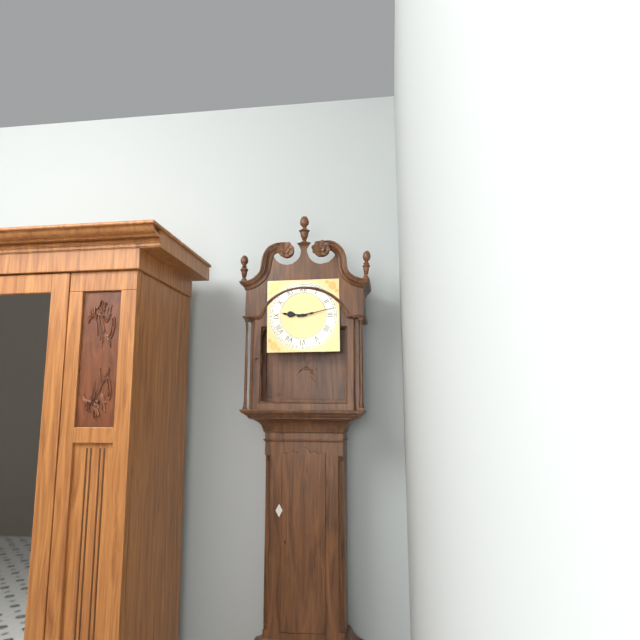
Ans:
**9:13**
